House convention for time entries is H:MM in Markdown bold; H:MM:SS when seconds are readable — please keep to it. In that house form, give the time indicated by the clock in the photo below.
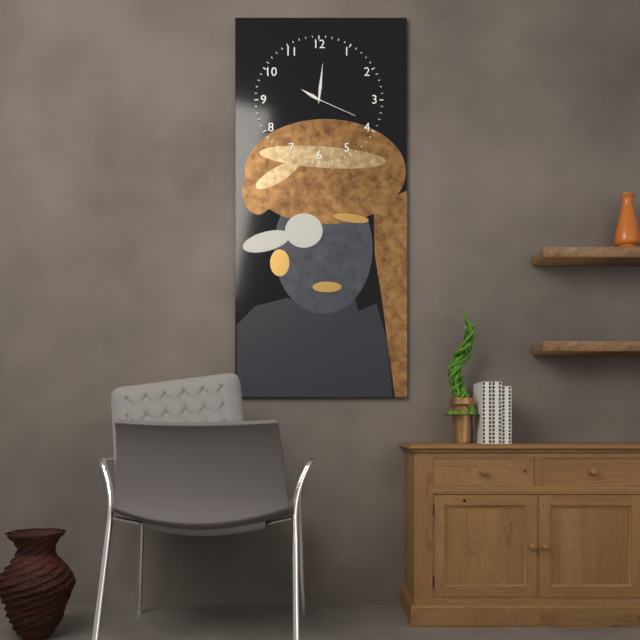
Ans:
**10:01**
